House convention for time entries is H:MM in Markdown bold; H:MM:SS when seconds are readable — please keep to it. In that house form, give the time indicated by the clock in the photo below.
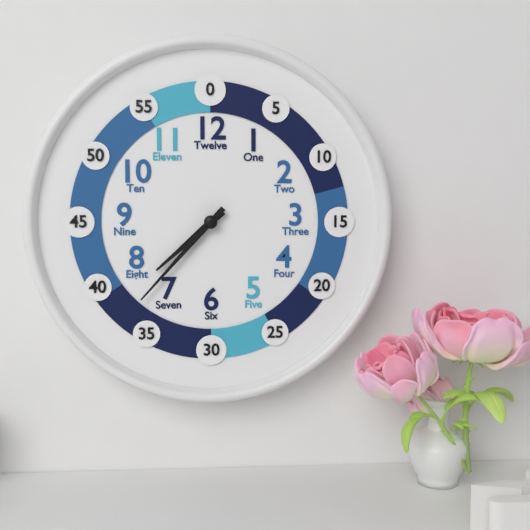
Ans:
**7:37**
